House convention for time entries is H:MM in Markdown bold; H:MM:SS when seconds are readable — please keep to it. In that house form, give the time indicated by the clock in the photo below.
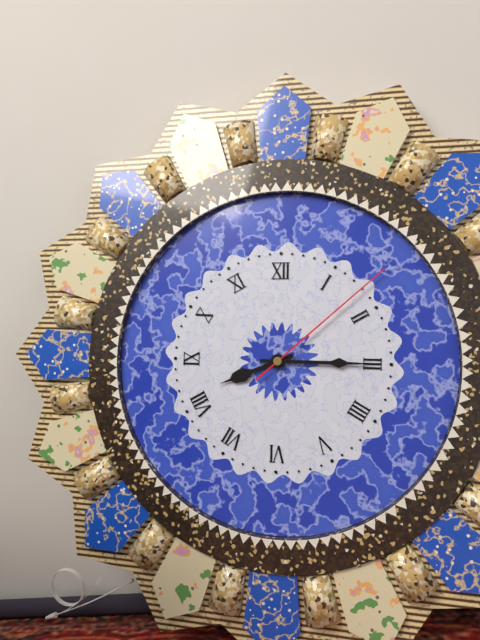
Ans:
**8:15:08**
